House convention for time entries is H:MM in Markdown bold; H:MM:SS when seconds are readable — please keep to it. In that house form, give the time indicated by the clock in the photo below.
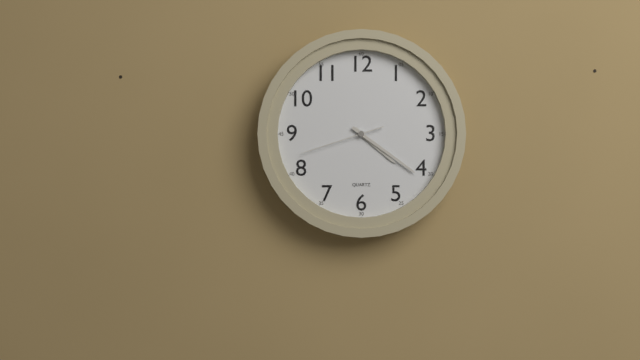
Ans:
**4:21:42**
